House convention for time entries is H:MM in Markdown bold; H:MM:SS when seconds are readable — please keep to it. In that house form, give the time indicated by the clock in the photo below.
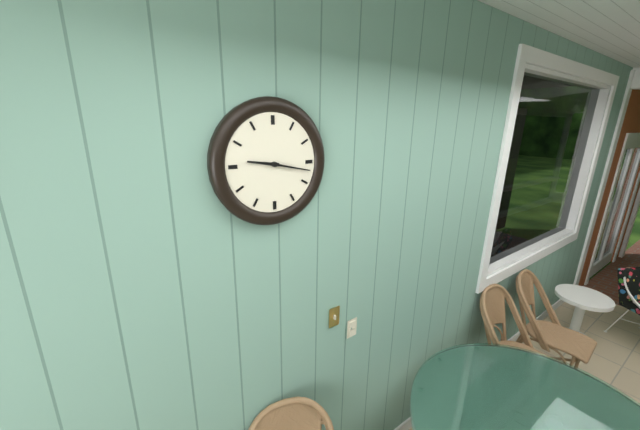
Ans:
**9:17**
